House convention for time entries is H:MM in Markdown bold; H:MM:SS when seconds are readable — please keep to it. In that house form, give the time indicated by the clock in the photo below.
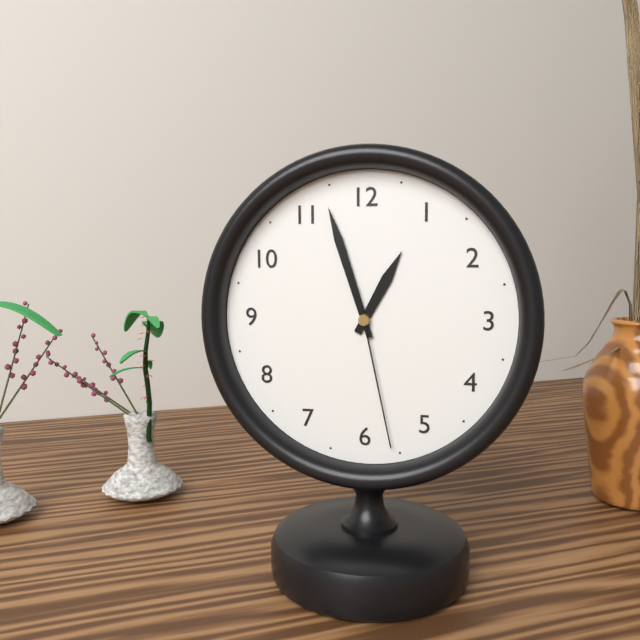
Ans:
**12:57:28**
